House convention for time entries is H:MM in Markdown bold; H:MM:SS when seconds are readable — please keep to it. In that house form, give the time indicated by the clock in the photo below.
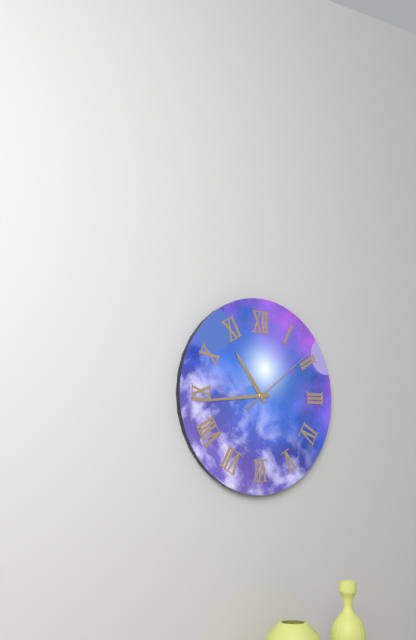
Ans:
**10:44:09**
